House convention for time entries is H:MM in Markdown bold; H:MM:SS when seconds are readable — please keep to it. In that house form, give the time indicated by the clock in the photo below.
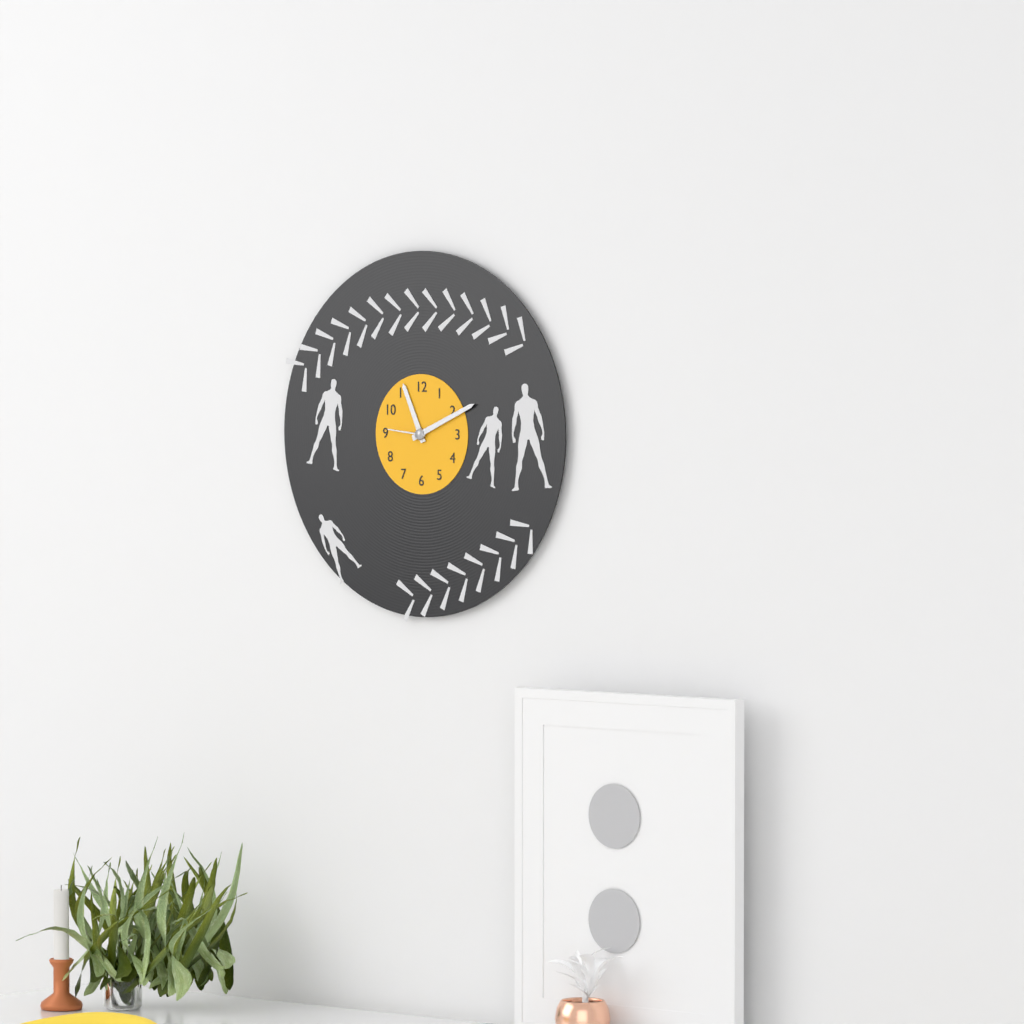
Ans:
**11:11**
